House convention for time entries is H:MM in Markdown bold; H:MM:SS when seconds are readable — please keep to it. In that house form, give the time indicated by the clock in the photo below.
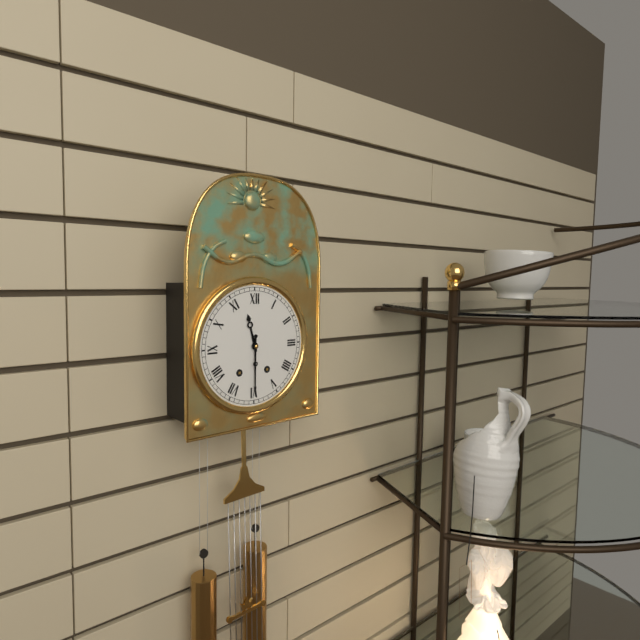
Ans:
**11:30**
